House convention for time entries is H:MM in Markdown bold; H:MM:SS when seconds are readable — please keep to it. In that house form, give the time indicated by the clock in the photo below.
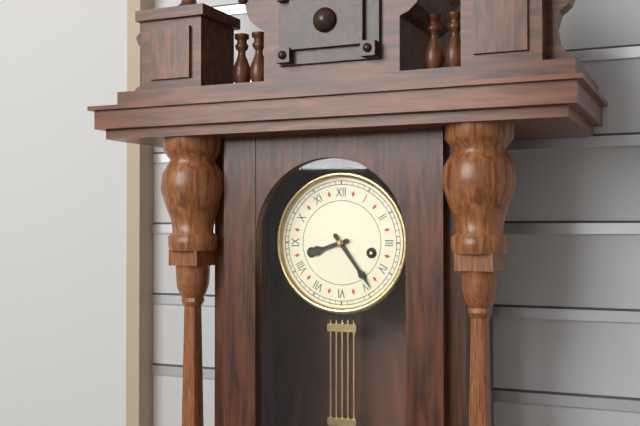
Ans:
**8:24**
